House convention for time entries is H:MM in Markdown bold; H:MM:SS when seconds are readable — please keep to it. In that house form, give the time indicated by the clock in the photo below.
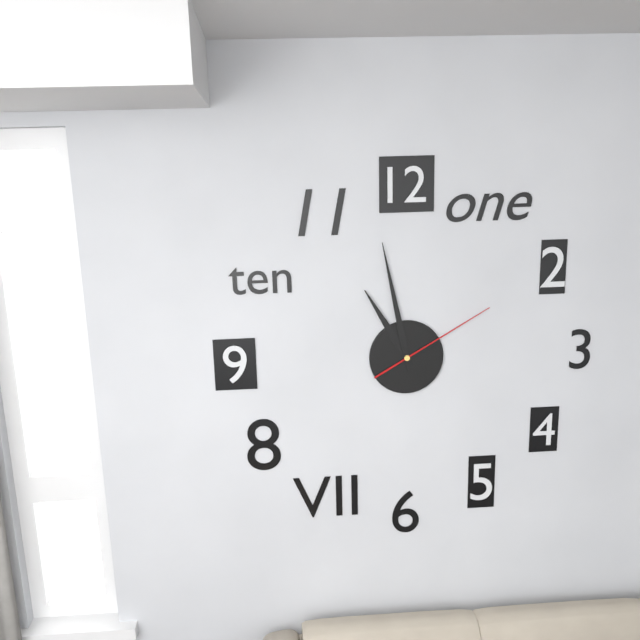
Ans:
**10:58:10**
